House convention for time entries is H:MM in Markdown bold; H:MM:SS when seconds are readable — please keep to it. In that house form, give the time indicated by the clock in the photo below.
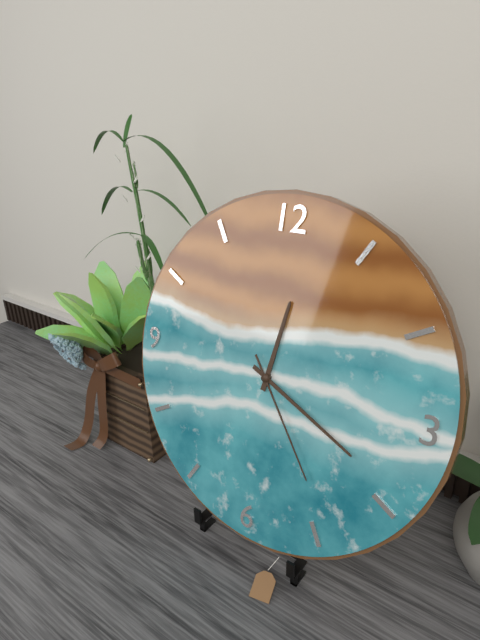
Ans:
**12:19:24**
